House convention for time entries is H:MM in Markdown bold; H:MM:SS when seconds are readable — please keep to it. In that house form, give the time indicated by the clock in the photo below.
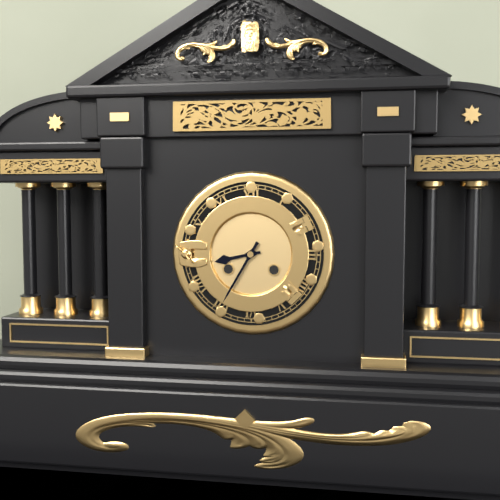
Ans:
**8:35**
